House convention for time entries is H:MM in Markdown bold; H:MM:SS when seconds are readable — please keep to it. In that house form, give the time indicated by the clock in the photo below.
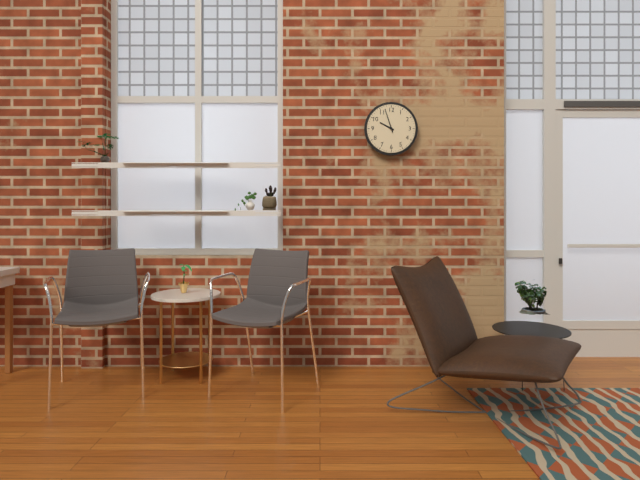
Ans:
**9:57**
